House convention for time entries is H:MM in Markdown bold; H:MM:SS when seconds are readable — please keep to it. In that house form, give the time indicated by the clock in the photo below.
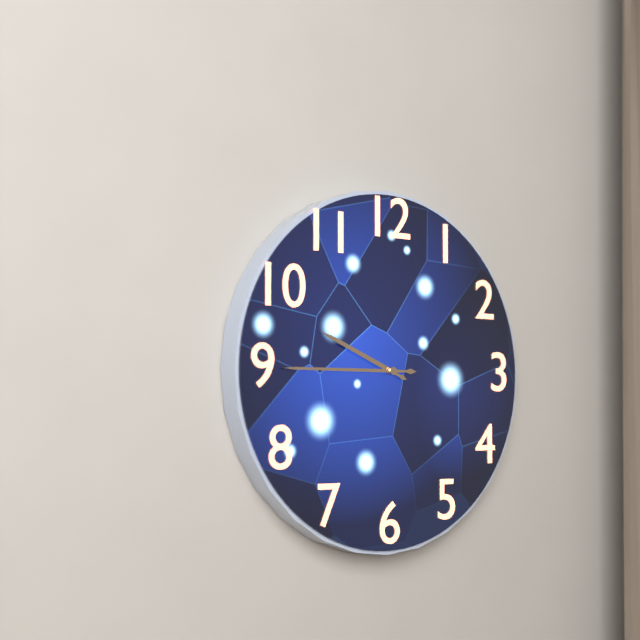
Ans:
**9:45**
